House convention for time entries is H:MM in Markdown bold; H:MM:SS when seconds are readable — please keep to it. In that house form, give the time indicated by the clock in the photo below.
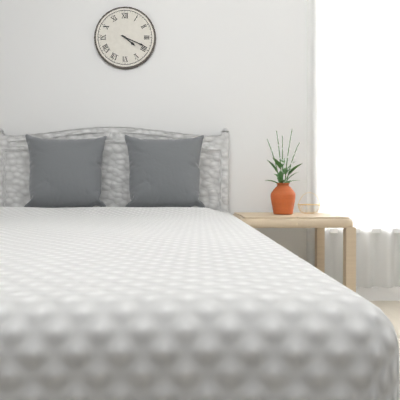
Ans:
**4:19**
